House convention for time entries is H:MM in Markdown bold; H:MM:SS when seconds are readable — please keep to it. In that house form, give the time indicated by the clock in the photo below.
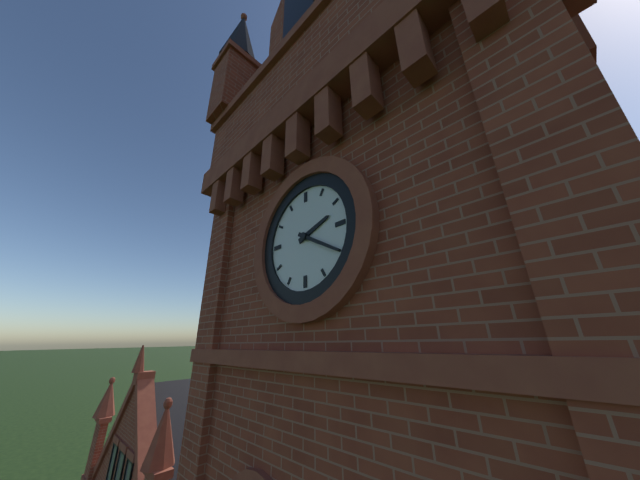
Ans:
**2:20**
